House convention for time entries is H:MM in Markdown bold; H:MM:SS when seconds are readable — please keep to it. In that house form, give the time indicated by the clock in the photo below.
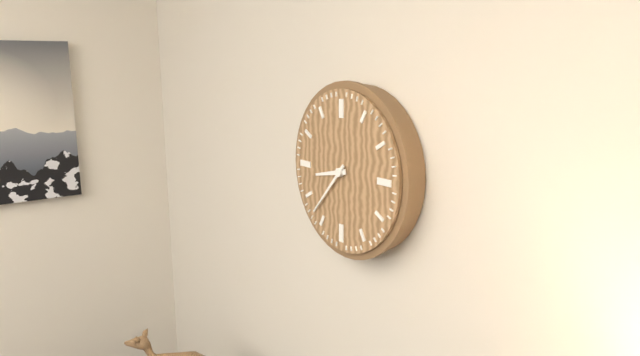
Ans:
**8:37**
